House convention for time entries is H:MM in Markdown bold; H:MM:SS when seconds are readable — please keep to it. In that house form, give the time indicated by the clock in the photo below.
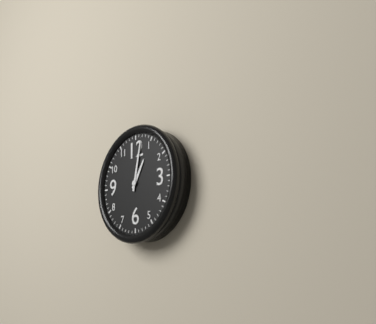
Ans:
**1:02**
